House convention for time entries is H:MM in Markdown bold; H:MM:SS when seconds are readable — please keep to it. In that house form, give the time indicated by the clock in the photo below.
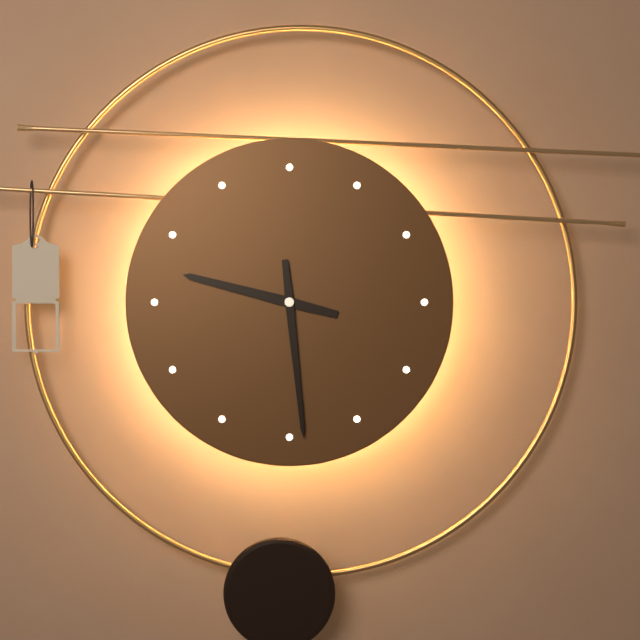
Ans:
**9:29**
